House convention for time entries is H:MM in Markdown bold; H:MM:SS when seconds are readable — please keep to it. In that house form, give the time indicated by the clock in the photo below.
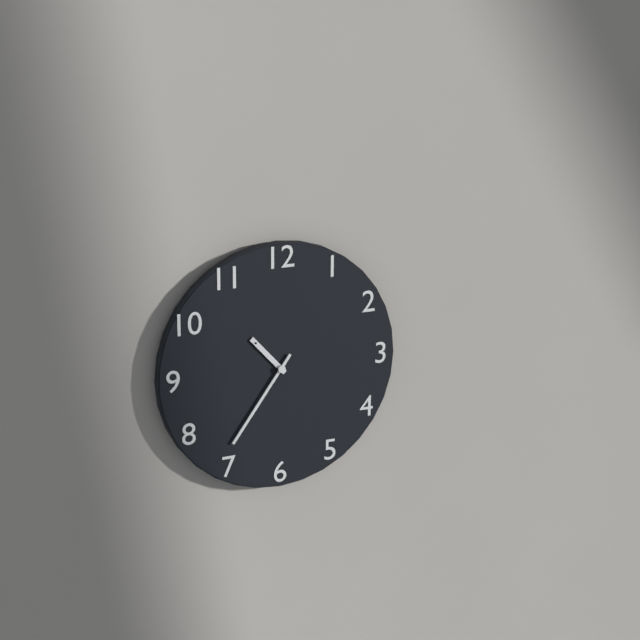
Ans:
**10:36**
